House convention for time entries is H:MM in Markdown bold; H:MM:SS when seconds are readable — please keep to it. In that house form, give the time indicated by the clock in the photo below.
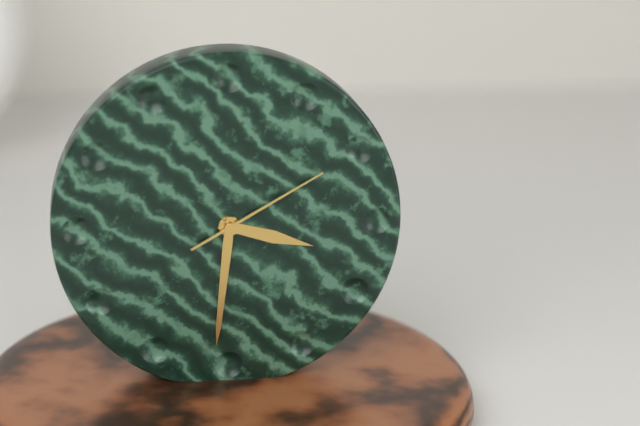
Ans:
**3:31:10**
